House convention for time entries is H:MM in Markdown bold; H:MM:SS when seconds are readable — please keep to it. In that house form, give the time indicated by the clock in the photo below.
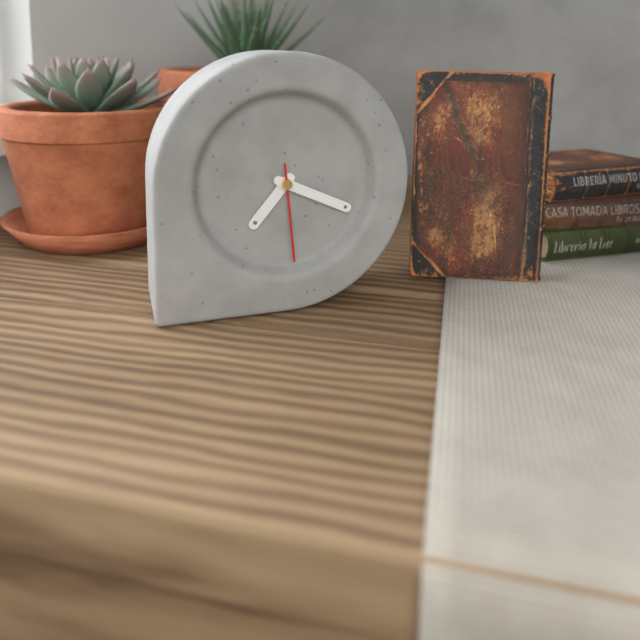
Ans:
**7:19:29**
